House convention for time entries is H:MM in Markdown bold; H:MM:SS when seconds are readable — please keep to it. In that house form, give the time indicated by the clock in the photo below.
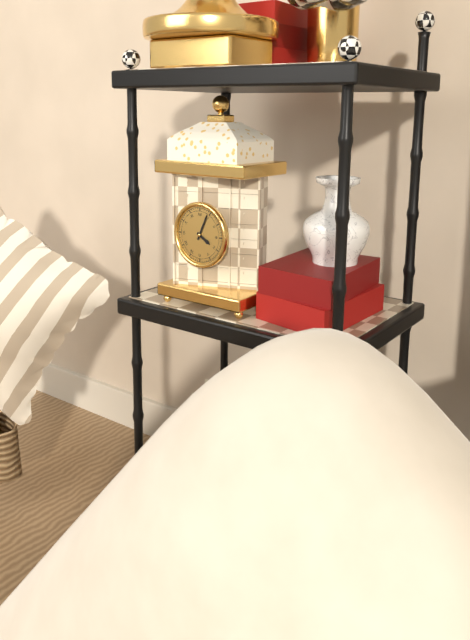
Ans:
**4:04**
